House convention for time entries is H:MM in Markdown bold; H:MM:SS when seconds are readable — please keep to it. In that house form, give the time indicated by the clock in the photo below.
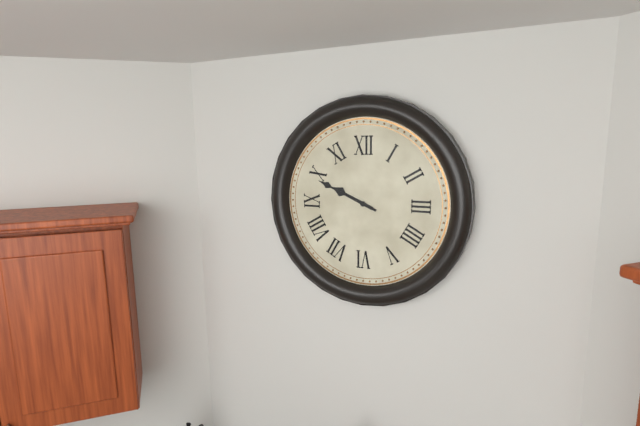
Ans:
**9:49**
